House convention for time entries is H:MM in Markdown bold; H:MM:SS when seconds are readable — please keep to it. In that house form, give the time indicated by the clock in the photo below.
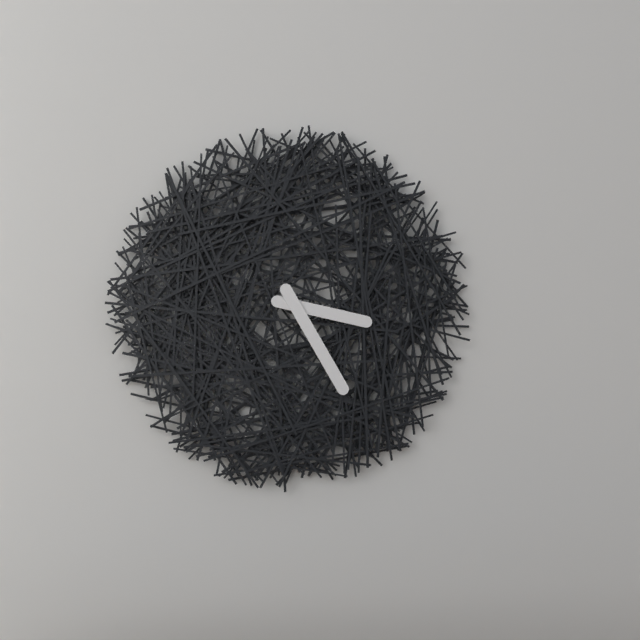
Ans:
**3:25**
